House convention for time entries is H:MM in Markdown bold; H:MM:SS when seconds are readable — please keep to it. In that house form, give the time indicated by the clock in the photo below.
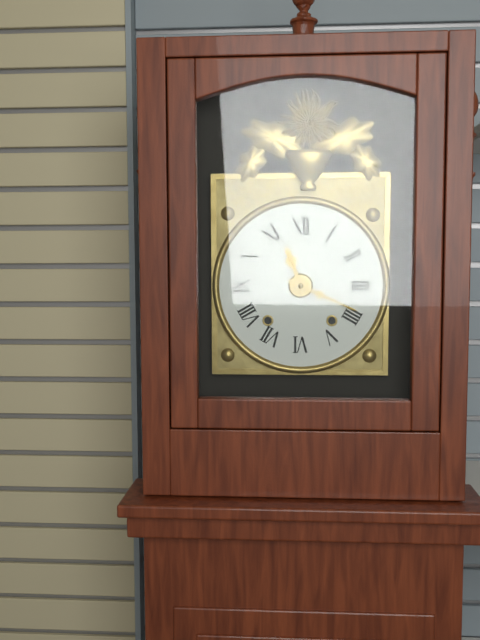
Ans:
**11:19**
